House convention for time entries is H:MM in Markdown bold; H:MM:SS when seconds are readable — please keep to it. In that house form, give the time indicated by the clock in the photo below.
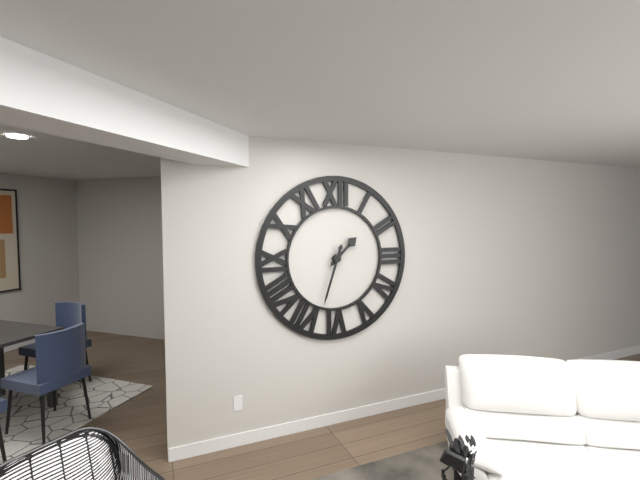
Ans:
**1:33**
